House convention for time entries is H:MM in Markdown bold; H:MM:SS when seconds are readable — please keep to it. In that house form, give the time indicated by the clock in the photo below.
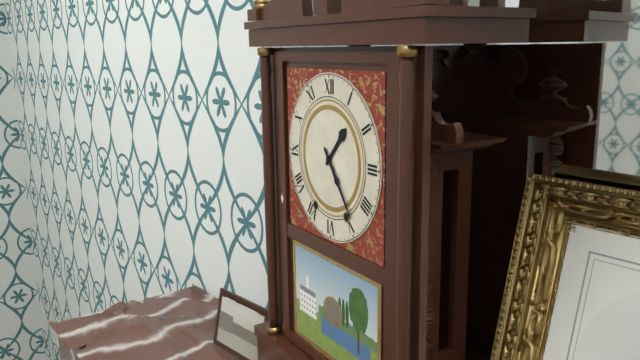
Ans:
**1:24**
